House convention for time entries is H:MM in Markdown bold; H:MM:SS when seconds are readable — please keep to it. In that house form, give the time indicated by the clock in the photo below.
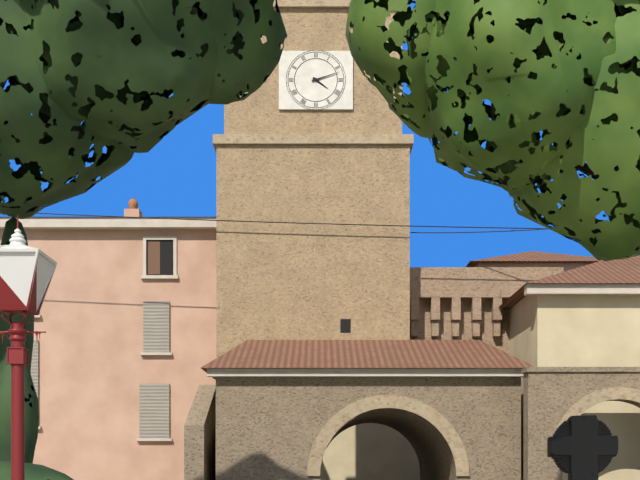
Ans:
**4:12**
